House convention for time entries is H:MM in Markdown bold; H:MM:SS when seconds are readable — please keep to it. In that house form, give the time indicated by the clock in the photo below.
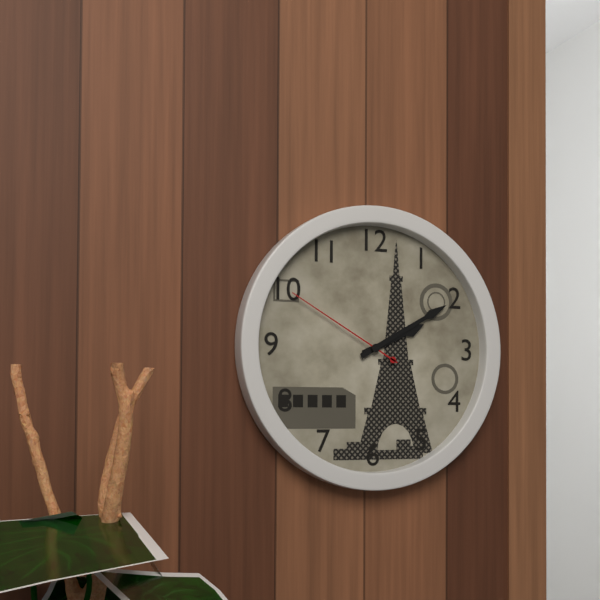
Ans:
**2:10:50**
